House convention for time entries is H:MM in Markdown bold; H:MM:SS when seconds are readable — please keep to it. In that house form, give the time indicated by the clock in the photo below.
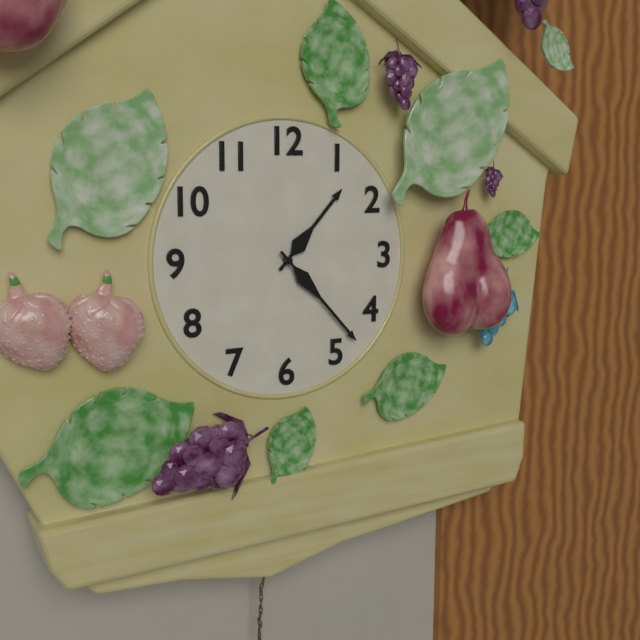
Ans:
**1:23**
